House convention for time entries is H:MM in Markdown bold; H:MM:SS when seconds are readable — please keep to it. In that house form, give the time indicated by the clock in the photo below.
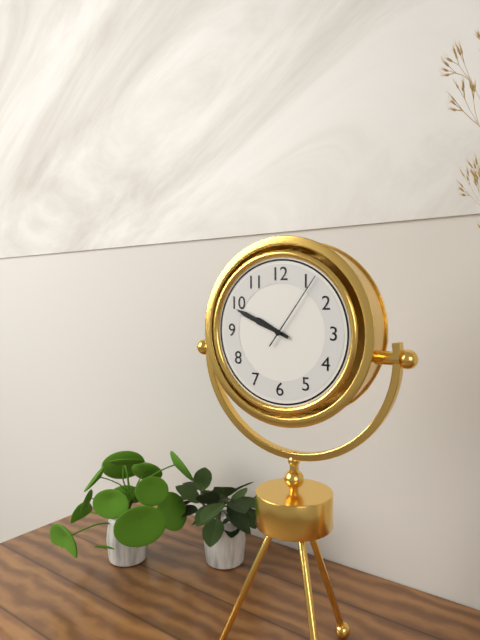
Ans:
**9:49:06**
